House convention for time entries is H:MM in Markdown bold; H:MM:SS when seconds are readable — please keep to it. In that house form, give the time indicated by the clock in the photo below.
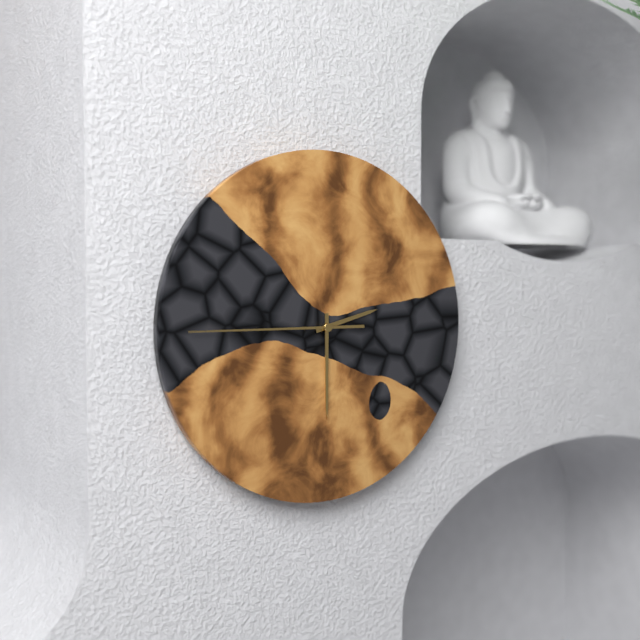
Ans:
**2:30:45**
